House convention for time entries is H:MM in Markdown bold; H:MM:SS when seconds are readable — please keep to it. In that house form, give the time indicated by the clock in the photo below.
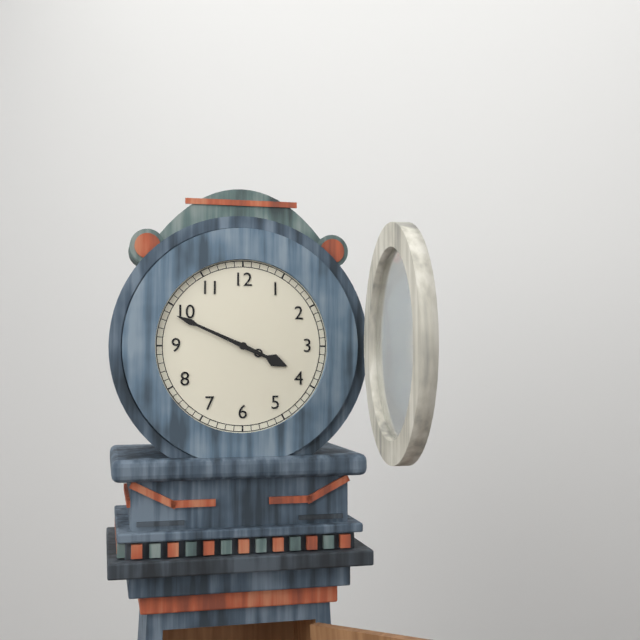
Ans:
**3:49**
